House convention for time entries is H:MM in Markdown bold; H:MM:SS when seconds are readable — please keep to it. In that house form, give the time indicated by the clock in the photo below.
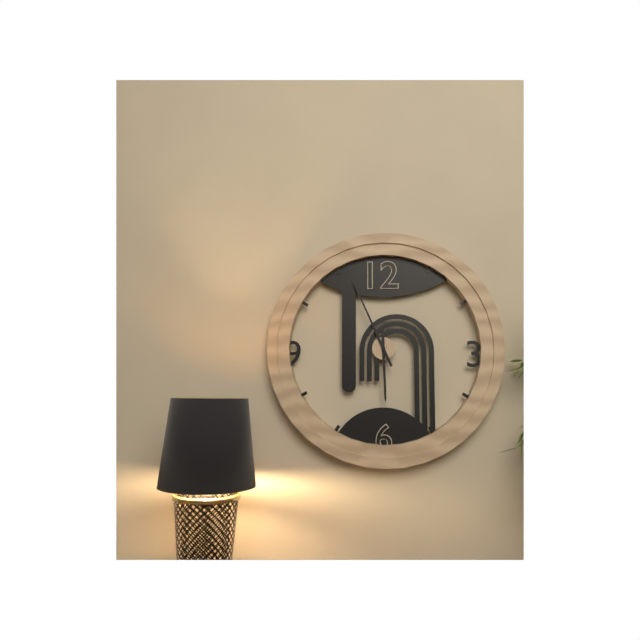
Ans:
**5:56**
